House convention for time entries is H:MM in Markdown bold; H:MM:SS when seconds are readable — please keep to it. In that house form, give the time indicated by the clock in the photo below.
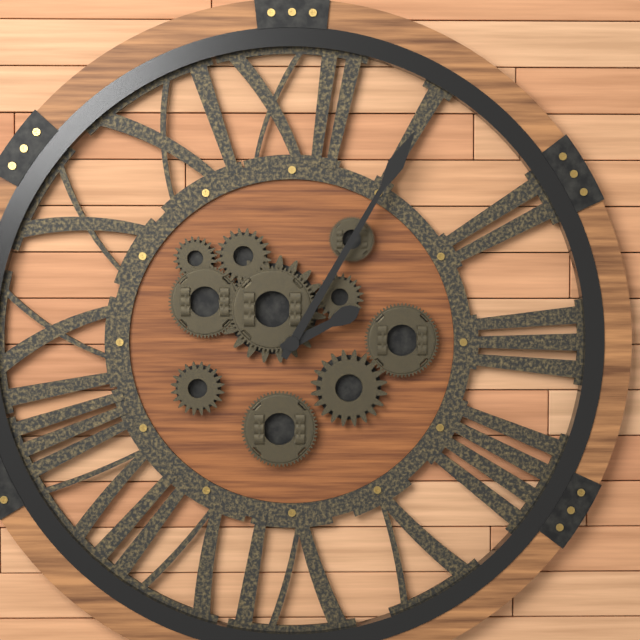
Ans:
**2:05**
